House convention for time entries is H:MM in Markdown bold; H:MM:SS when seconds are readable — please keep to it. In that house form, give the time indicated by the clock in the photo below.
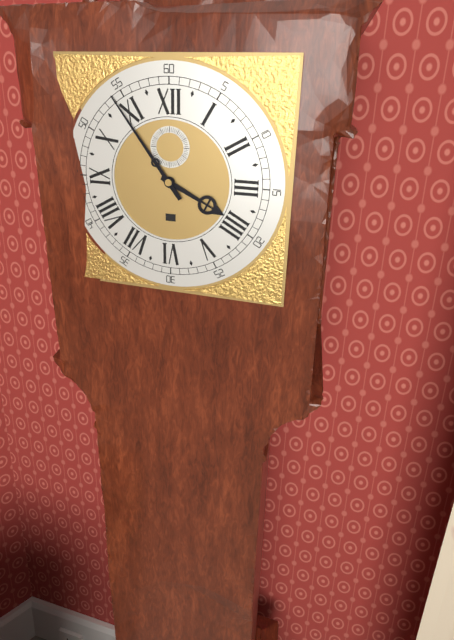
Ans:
**3:54**
